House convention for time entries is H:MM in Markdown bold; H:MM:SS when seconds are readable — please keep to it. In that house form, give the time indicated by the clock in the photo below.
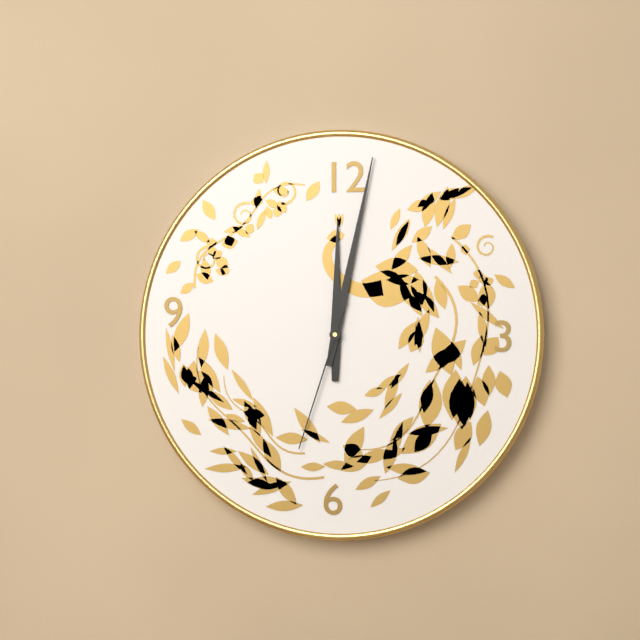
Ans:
**12:02:33**
